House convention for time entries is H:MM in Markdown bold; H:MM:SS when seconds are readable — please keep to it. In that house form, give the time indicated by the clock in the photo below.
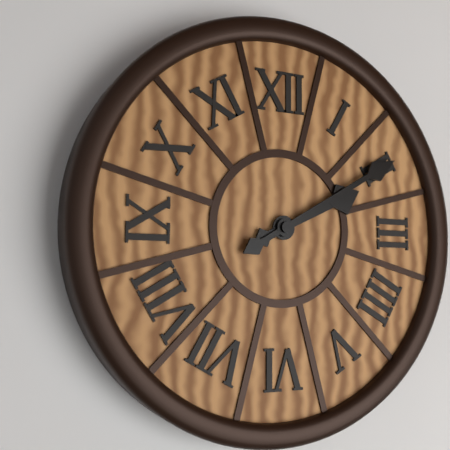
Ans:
**2:10**
